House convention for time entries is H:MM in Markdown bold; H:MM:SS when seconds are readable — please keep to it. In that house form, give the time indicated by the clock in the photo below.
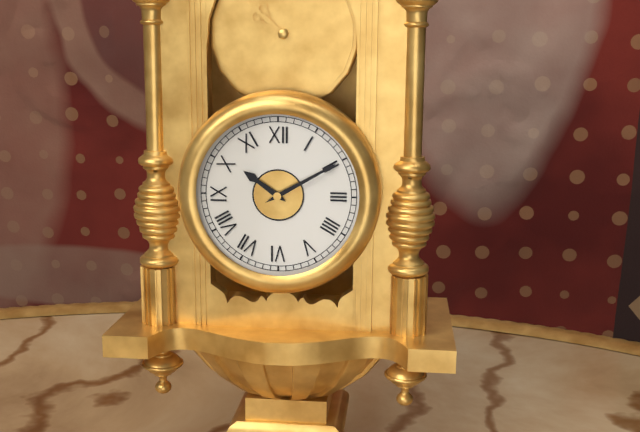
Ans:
**10:10**
